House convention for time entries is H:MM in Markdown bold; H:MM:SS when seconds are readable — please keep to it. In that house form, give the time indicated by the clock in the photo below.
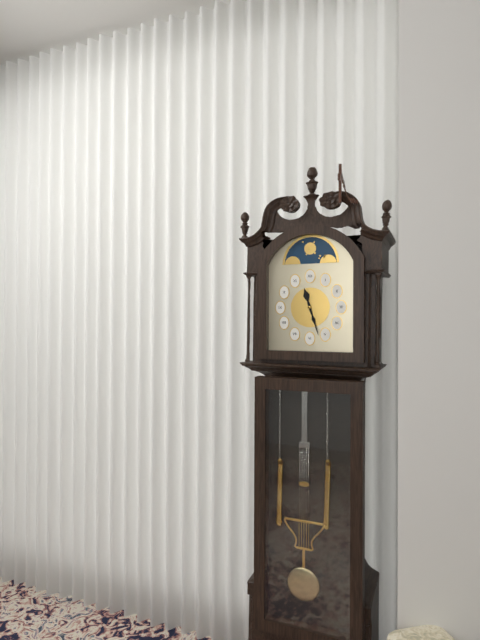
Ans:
**11:27**
